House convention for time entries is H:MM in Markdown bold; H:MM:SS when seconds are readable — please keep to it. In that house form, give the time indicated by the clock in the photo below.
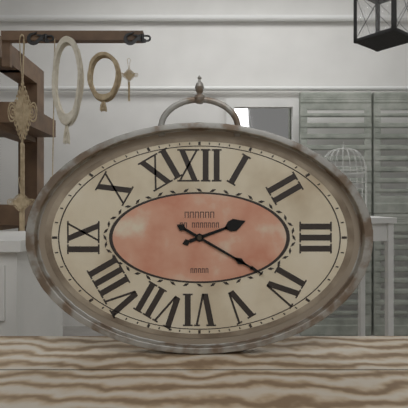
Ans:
**2:20**
